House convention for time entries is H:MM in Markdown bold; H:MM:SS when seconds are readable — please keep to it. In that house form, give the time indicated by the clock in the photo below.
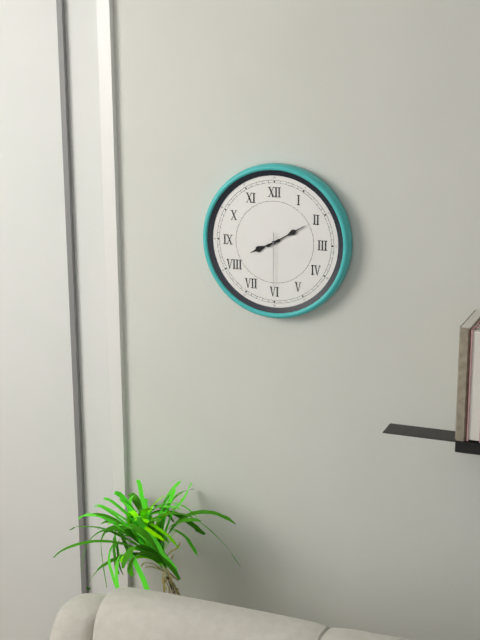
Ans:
**8:10:30**
